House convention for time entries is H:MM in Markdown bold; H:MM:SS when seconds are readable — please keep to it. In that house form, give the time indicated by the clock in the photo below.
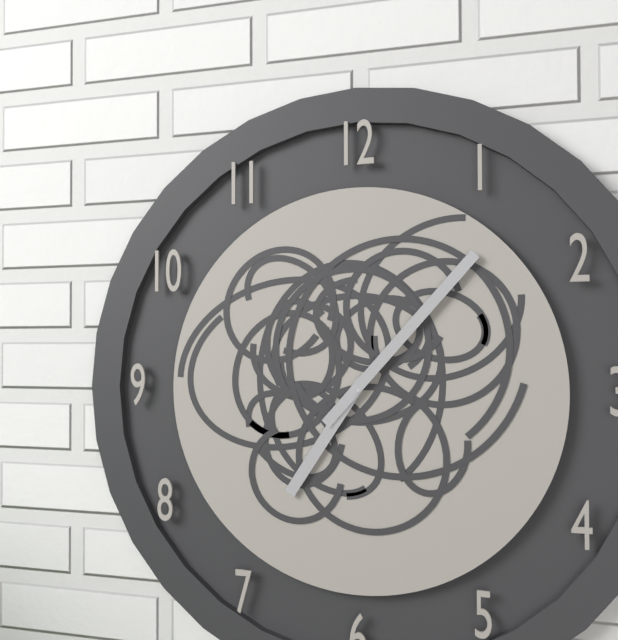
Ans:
**7:07**
